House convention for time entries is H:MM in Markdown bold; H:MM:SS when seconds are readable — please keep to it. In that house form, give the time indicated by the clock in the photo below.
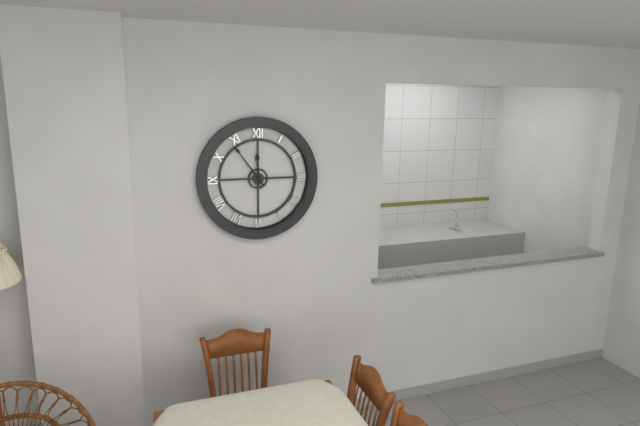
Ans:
**11:54**
